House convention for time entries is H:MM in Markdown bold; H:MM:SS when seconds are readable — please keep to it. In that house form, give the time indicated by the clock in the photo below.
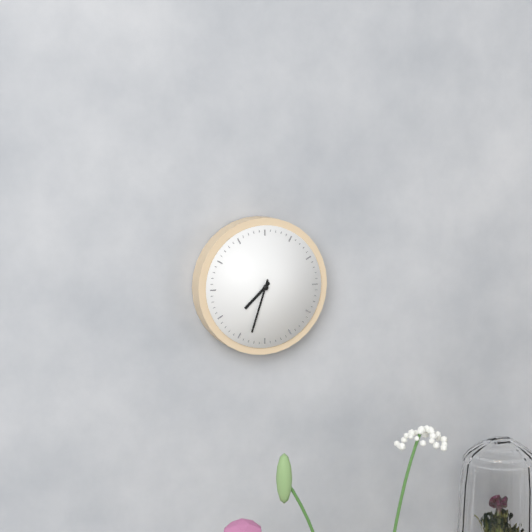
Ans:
**7:33**
